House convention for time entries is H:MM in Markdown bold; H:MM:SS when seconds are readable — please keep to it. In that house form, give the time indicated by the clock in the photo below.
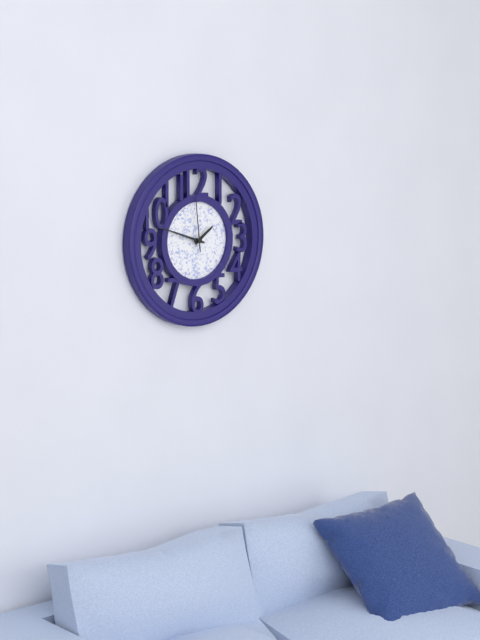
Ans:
**1:48:59**
